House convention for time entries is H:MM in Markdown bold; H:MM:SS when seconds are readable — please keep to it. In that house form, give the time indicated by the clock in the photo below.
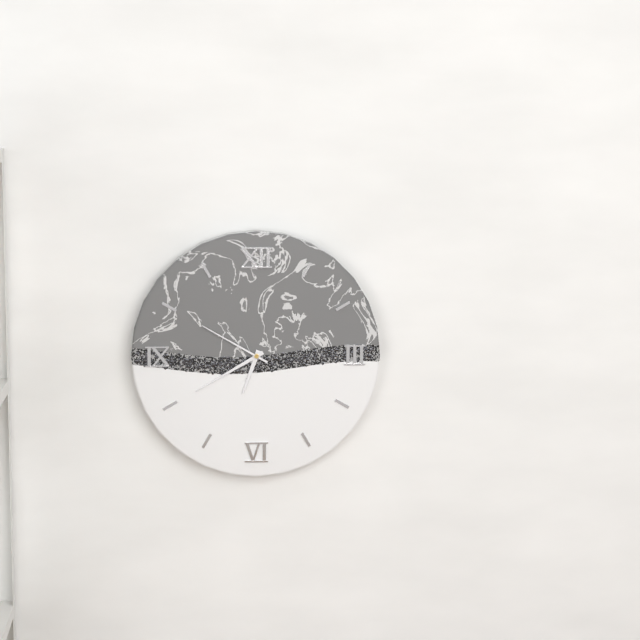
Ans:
**6:40:50**
